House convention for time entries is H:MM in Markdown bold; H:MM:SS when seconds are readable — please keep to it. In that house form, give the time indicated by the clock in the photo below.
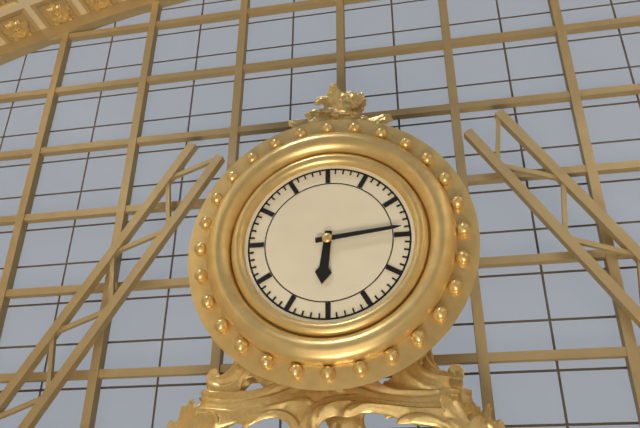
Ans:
**6:14**
